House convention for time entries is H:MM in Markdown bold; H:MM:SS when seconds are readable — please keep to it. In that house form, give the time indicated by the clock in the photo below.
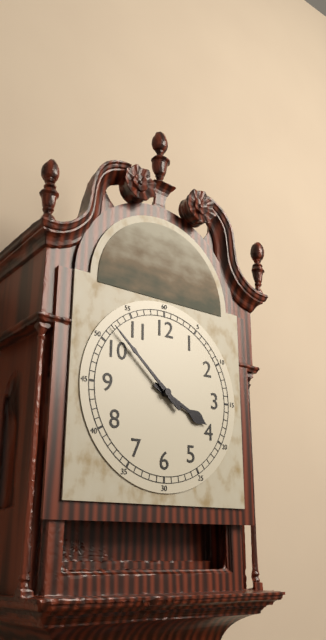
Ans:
**3:52**
